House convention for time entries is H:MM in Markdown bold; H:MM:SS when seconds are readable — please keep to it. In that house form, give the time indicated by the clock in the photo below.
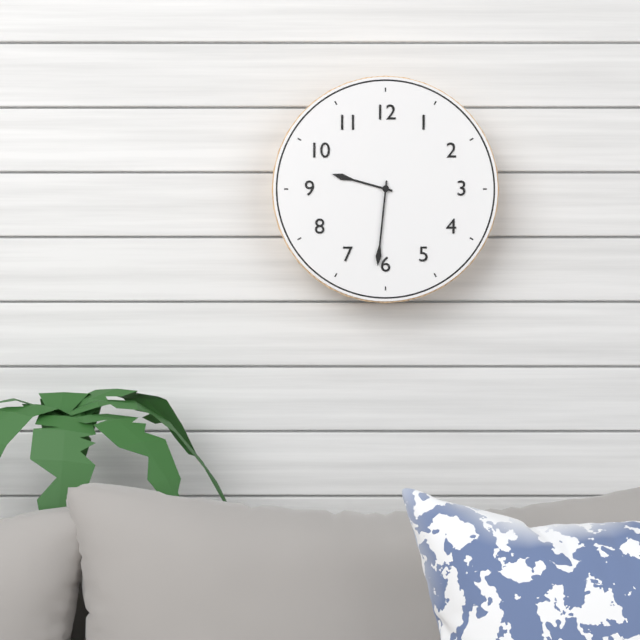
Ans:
**9:31**
